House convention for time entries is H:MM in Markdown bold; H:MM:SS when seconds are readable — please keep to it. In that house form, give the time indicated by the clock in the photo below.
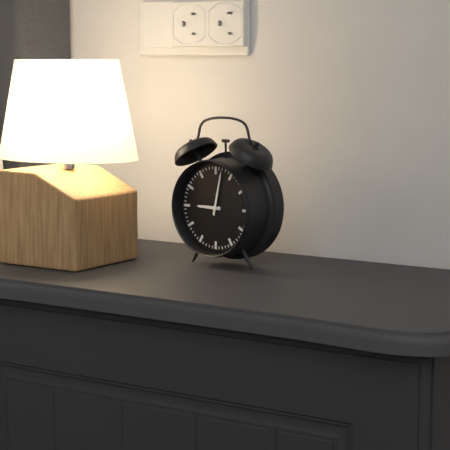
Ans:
**9:02**
